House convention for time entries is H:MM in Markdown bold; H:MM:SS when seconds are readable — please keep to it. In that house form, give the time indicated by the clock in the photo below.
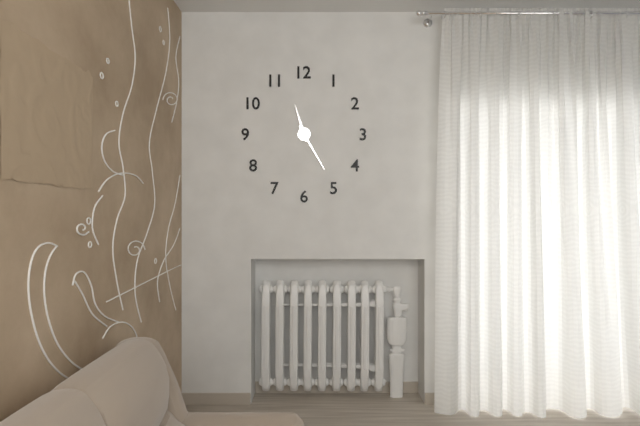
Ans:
**11:25**
